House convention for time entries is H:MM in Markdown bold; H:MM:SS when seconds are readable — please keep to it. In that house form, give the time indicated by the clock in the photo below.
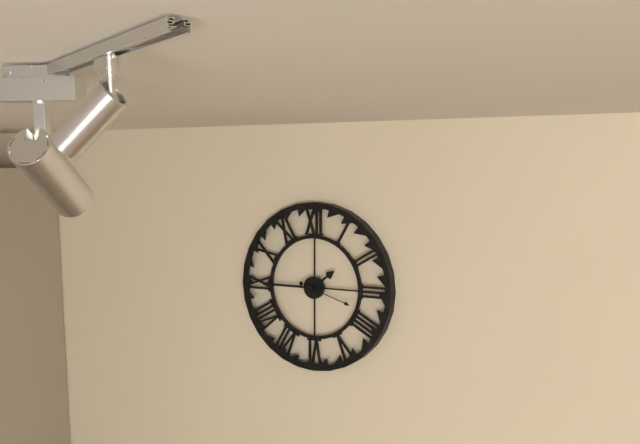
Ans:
**1:45**
